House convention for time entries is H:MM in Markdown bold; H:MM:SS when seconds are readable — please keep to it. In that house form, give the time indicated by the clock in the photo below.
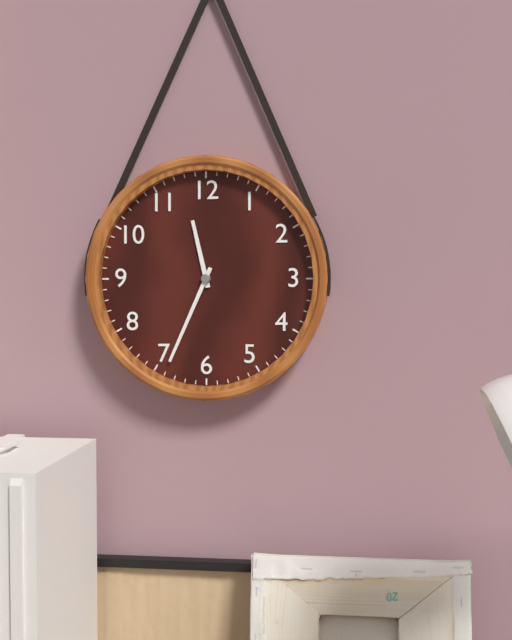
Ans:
**11:34**
